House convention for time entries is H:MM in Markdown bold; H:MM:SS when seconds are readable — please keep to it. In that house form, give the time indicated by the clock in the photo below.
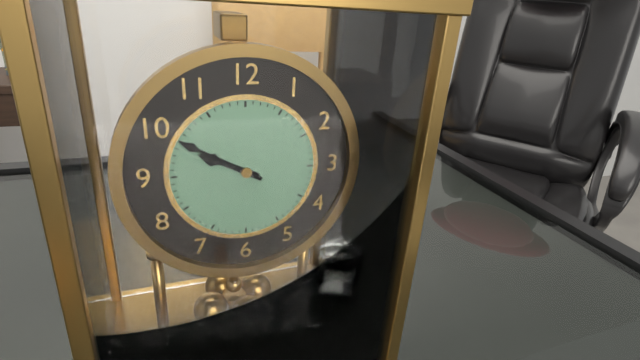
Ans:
**9:50**
